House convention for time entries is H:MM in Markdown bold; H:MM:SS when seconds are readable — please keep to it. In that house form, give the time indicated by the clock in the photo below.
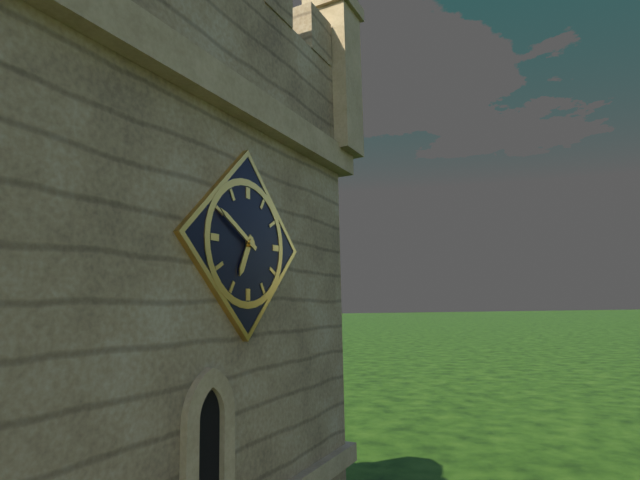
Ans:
**6:50**
